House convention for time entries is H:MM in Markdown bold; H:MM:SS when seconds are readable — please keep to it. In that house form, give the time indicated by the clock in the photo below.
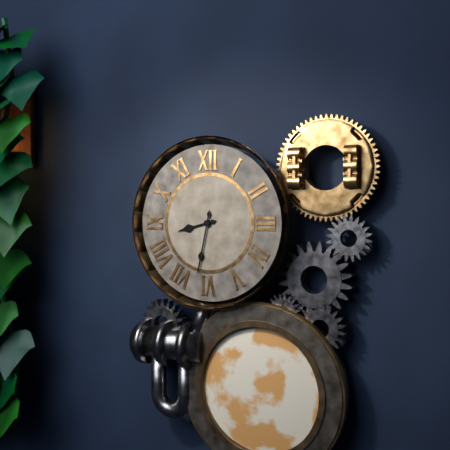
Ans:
**8:32**
